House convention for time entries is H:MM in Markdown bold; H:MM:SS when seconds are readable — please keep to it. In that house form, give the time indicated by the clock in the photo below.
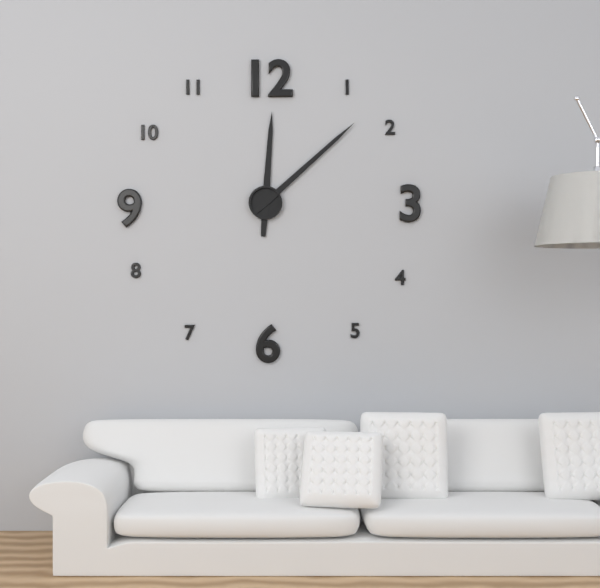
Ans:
**12:08**
